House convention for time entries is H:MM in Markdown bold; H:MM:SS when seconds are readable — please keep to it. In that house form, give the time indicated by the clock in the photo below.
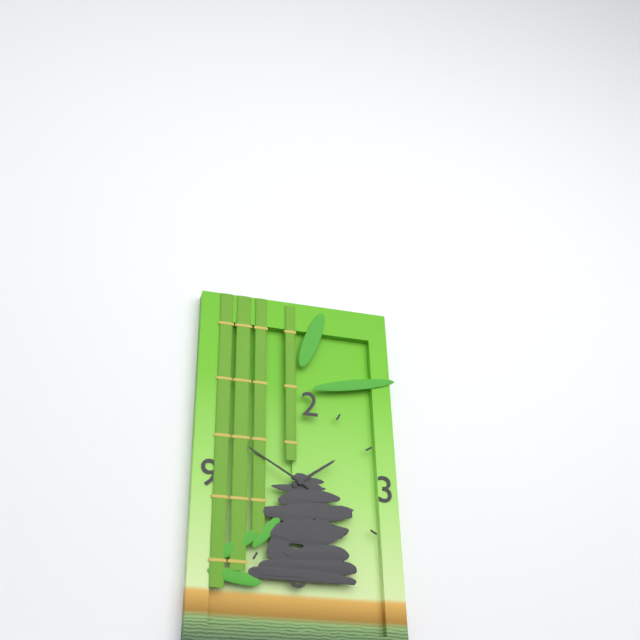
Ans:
**1:50**
